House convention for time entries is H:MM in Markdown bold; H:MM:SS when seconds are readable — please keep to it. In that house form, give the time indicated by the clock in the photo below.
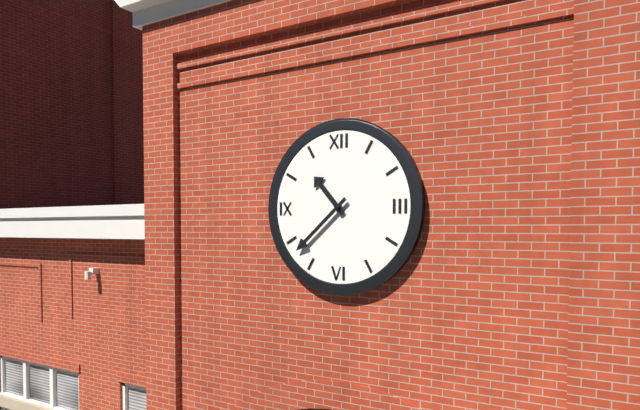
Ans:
**10:38**
